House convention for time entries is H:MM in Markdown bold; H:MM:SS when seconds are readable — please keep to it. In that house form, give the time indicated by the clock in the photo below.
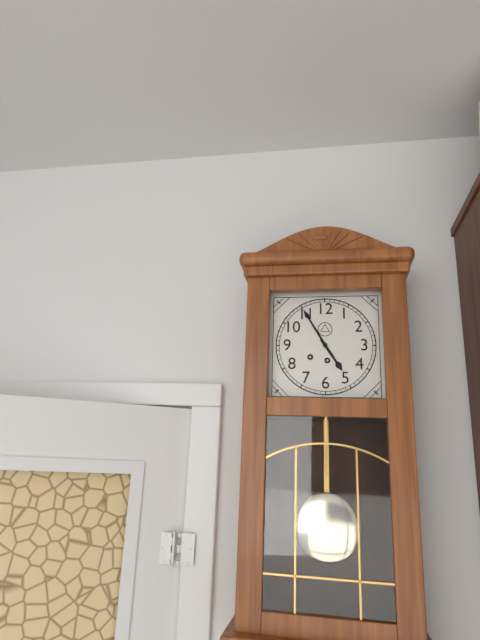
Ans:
**4:55**
